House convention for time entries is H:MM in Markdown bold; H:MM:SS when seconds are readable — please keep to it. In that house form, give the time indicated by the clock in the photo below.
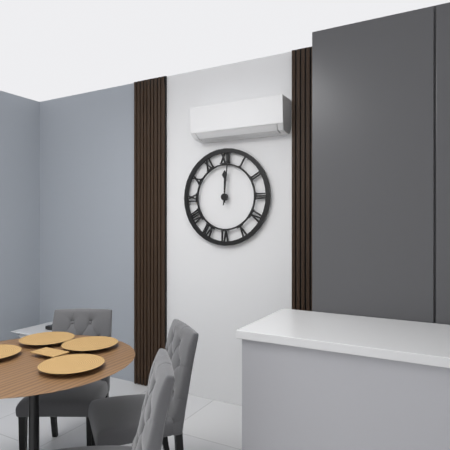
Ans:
**12:01**
